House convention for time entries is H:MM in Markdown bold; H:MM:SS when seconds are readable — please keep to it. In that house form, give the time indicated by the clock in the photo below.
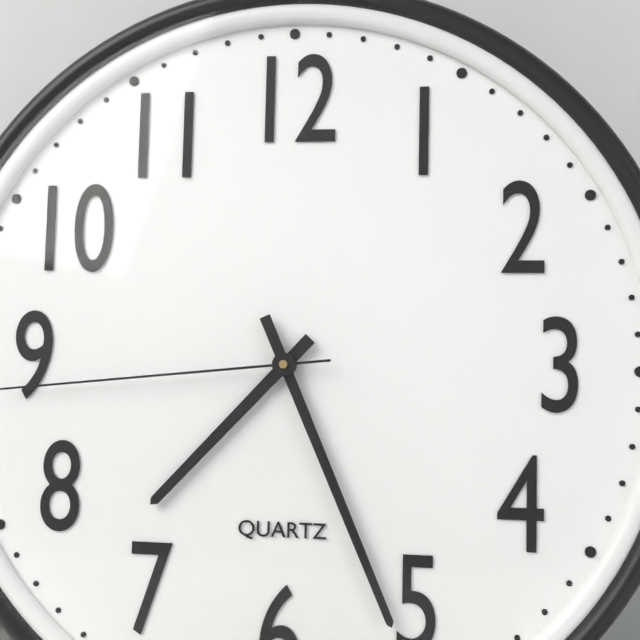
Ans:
**7:26**
